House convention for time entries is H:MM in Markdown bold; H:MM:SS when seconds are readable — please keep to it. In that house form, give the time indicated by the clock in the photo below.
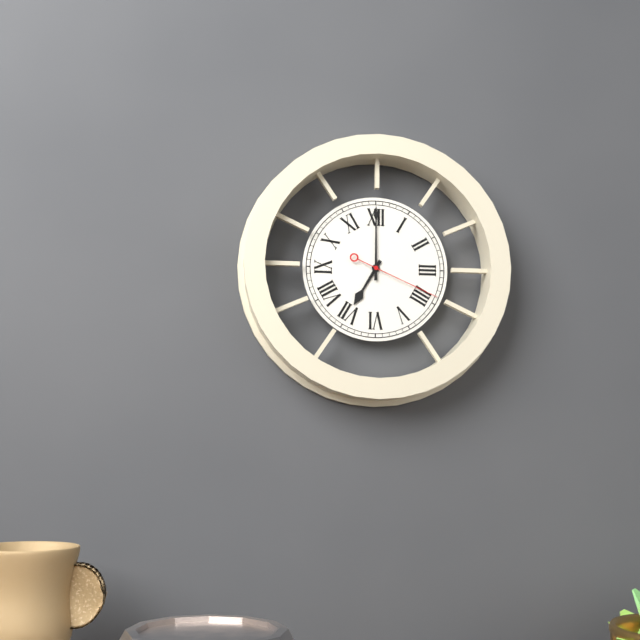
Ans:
**7:00:19**
